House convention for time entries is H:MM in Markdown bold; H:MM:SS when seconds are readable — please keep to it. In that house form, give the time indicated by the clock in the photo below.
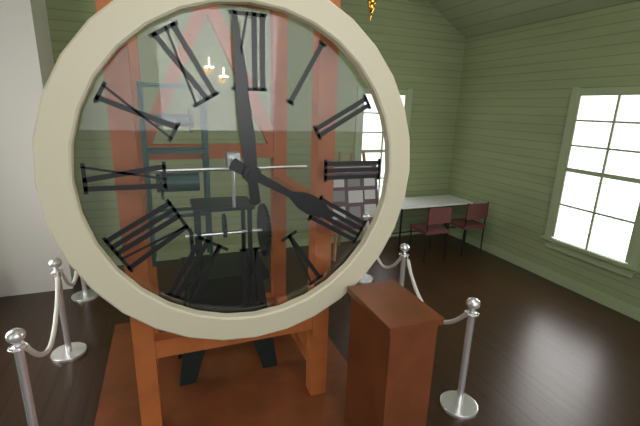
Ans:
**3:59**
